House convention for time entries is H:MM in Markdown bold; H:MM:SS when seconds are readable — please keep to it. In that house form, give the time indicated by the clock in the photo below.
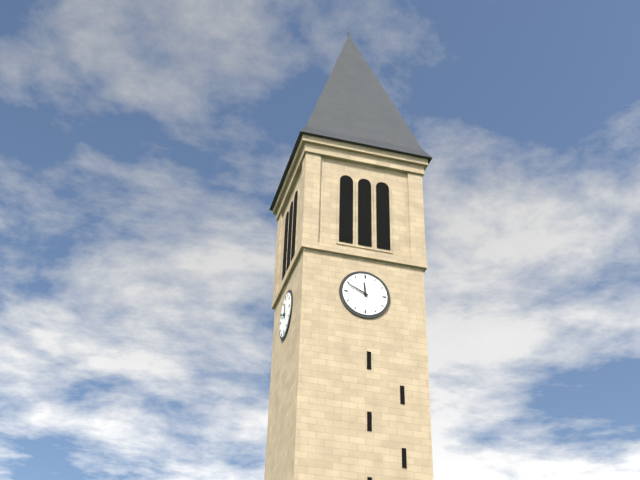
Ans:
**11:49**
